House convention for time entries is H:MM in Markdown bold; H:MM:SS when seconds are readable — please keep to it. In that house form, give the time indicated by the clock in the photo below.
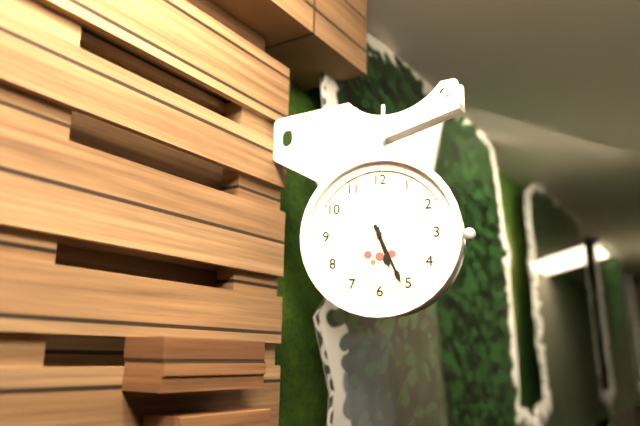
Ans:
**5:26**
